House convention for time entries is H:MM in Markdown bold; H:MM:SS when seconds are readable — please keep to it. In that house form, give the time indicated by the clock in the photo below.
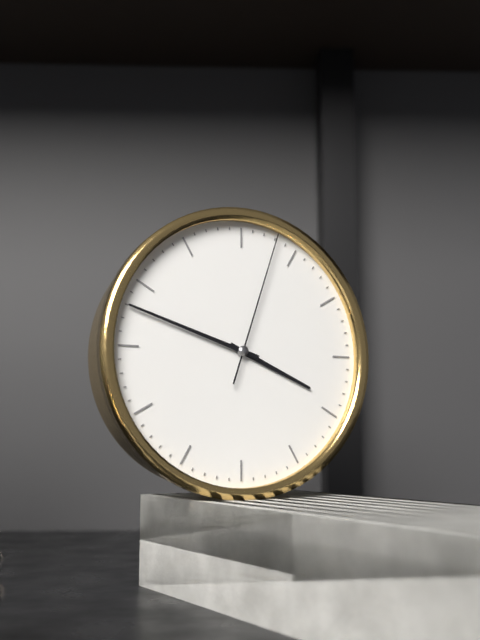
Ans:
**3:48:03**
